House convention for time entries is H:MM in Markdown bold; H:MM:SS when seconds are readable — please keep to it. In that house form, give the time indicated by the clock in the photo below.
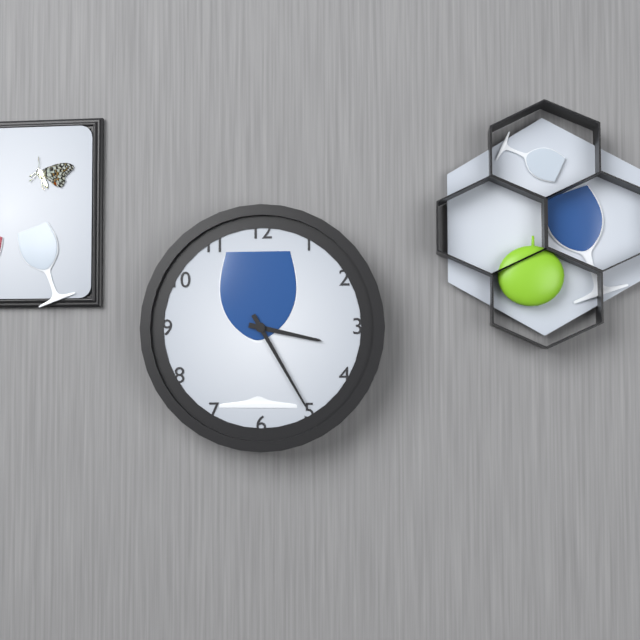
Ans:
**3:25**
